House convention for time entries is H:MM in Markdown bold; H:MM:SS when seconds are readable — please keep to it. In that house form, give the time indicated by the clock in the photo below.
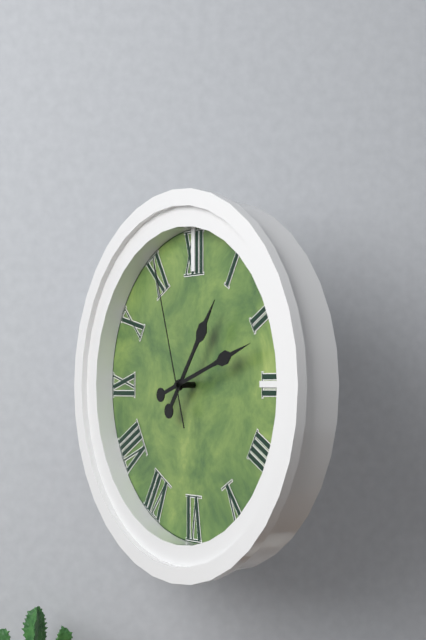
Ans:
**1:12:57**
